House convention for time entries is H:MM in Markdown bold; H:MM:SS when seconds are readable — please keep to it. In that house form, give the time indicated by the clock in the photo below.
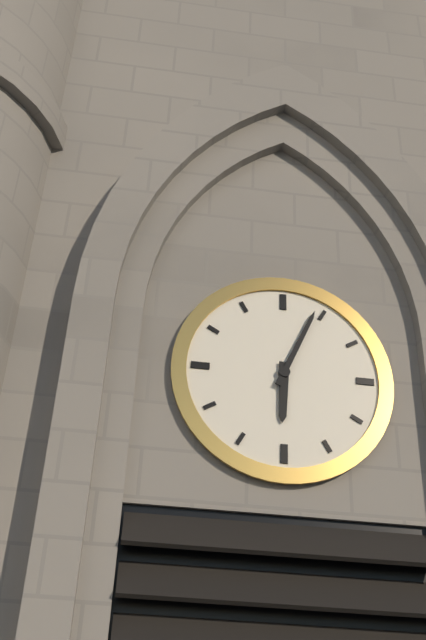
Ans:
**6:04**
